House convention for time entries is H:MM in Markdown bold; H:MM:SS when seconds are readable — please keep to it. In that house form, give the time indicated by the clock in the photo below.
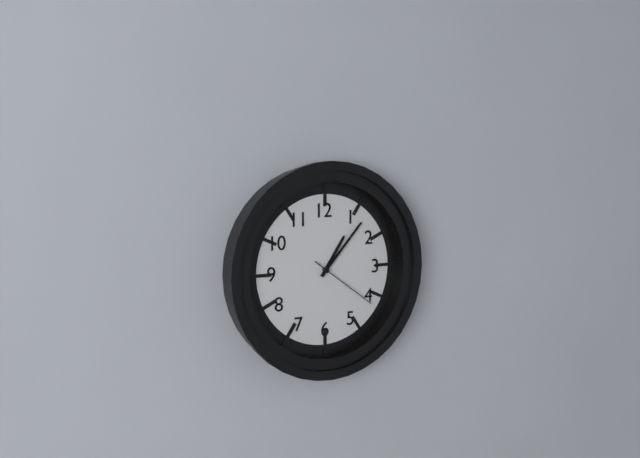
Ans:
**1:07:21**
